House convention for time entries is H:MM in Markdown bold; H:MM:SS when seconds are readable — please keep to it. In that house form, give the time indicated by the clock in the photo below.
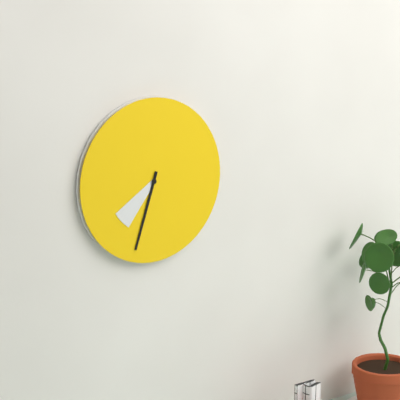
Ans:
**7:33**
